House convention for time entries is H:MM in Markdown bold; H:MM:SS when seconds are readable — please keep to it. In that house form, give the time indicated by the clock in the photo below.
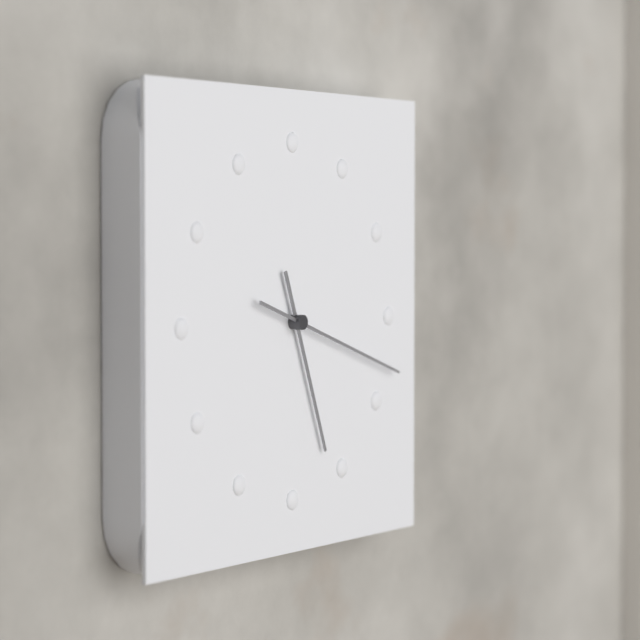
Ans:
**5:18**
